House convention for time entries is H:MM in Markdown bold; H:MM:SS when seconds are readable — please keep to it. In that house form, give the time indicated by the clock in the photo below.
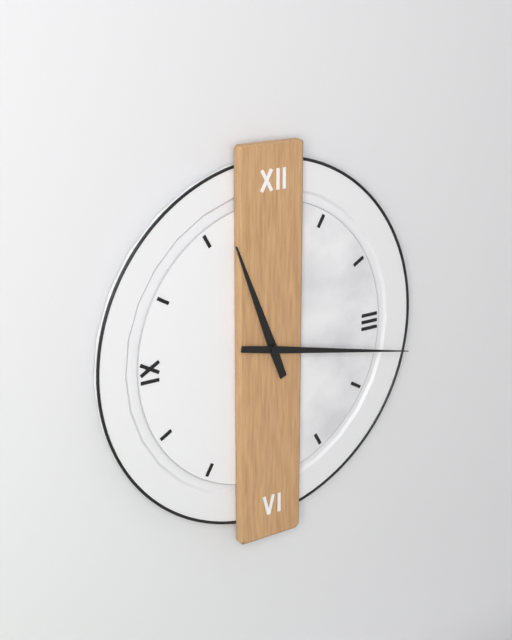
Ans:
**11:17**
